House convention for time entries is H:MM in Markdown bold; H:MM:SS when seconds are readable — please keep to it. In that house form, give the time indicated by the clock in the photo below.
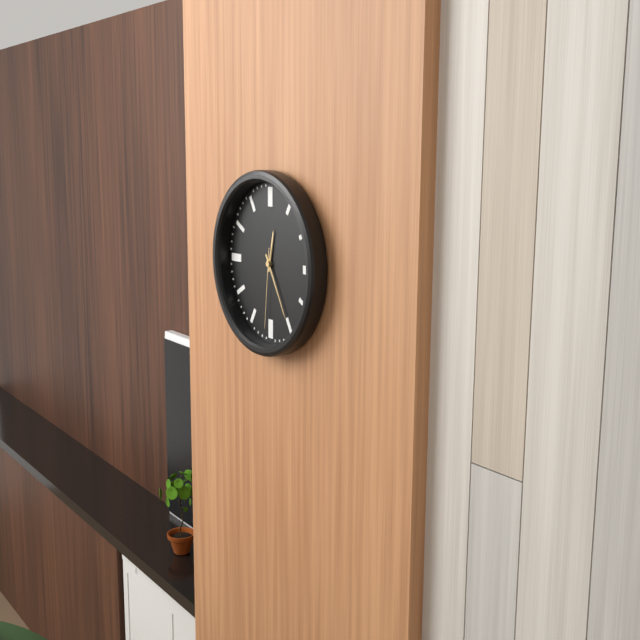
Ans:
**12:25:31**
